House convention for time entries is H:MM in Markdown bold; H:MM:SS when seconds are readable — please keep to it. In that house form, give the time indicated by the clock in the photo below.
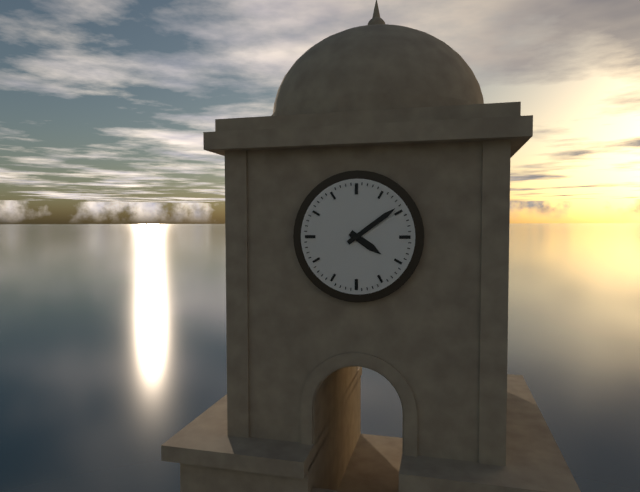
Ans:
**4:09**
